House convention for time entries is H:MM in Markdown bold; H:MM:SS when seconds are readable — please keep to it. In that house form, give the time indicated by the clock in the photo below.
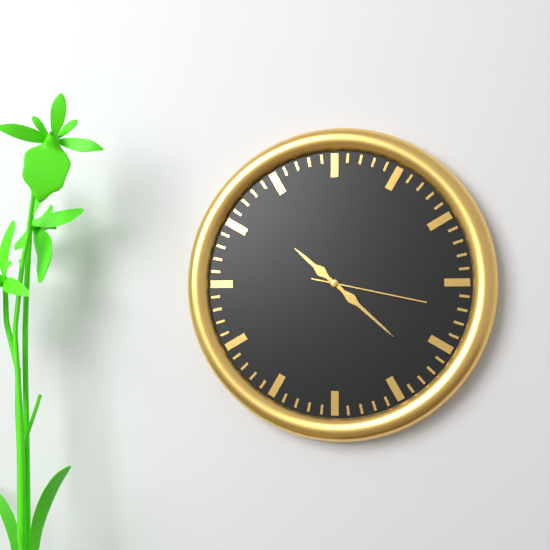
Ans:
**10:22:17**
